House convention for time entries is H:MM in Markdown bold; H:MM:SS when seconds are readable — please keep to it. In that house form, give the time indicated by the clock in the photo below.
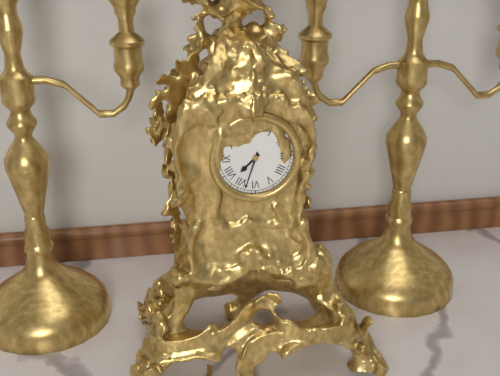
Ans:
**7:33**
